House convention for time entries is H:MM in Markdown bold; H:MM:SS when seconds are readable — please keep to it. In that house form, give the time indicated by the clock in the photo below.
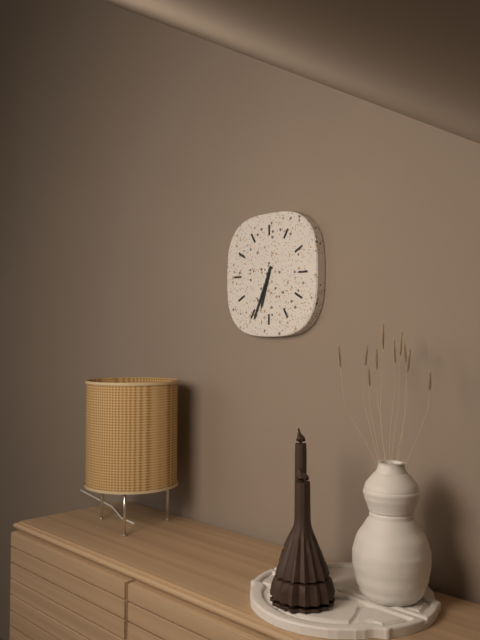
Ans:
**6:34**
